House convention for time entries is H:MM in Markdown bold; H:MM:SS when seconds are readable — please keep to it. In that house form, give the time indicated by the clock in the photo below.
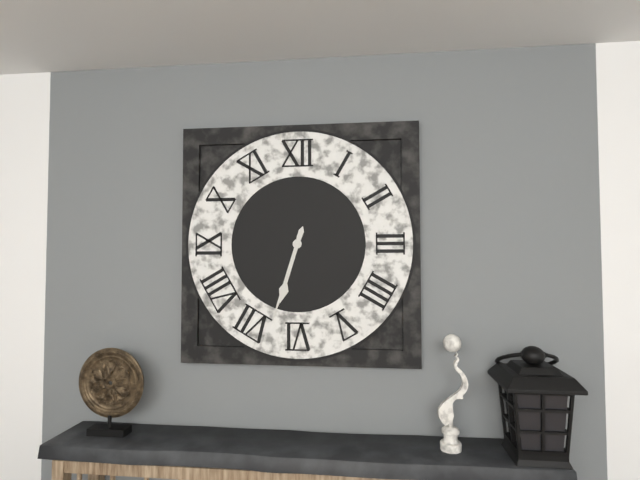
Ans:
**6:33**
